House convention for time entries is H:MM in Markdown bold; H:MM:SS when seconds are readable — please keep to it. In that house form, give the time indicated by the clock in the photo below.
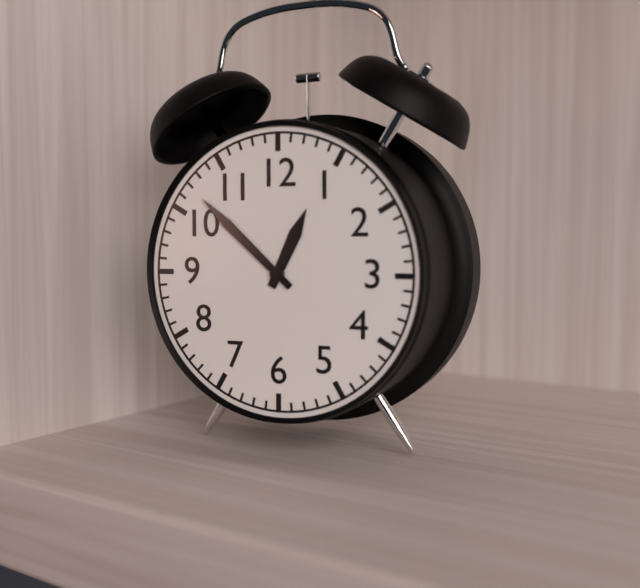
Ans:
**12:52**
